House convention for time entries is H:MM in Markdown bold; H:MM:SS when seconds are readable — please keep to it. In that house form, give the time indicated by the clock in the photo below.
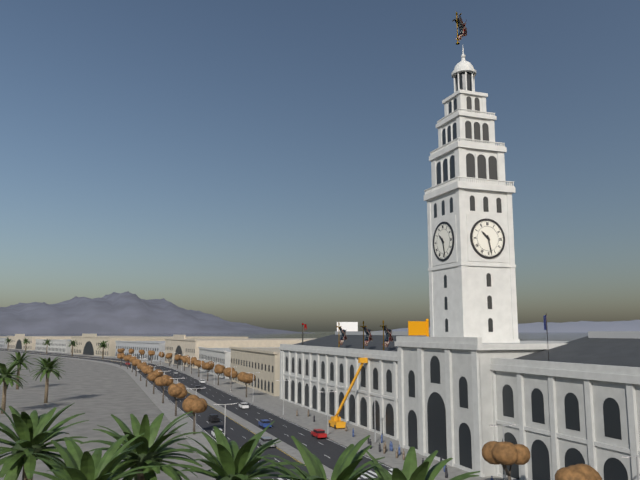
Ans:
**10:28**
